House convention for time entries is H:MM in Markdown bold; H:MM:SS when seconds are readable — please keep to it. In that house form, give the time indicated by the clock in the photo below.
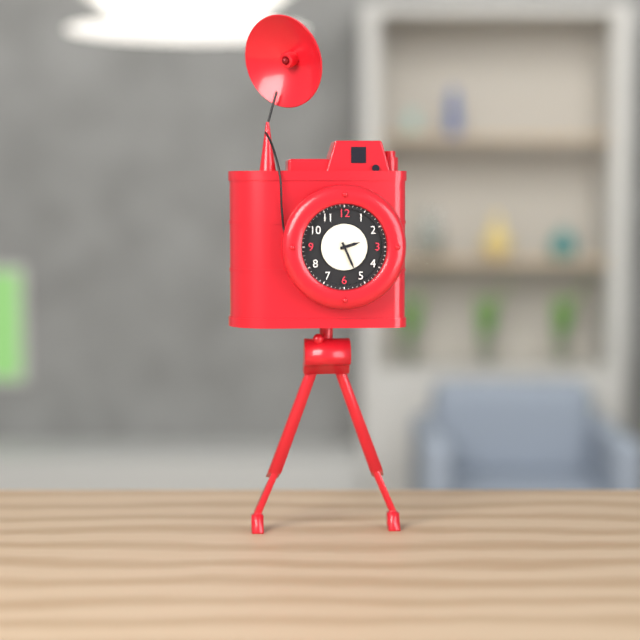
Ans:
**2:26**
